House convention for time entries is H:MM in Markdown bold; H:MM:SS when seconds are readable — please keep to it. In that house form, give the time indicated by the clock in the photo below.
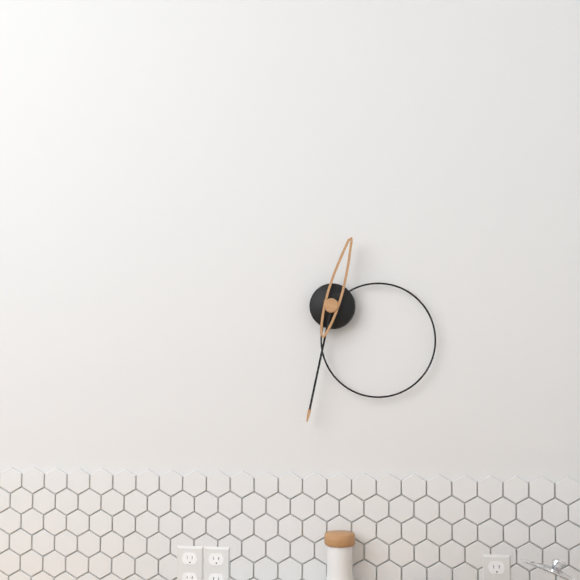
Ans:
**12:32**
